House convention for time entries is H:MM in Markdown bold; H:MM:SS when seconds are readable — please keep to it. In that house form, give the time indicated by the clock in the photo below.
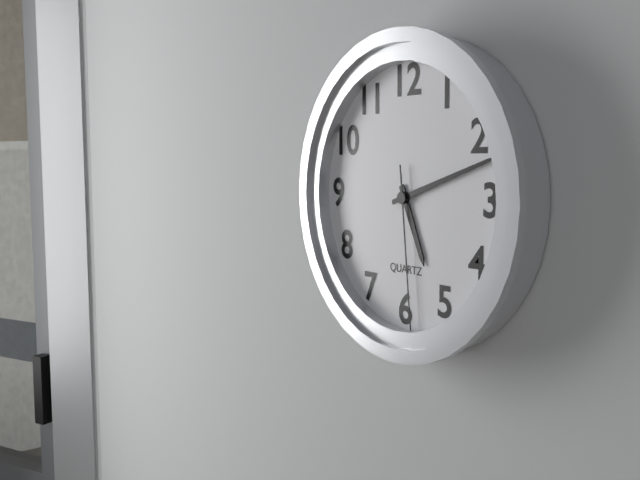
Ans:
**5:12:29**
